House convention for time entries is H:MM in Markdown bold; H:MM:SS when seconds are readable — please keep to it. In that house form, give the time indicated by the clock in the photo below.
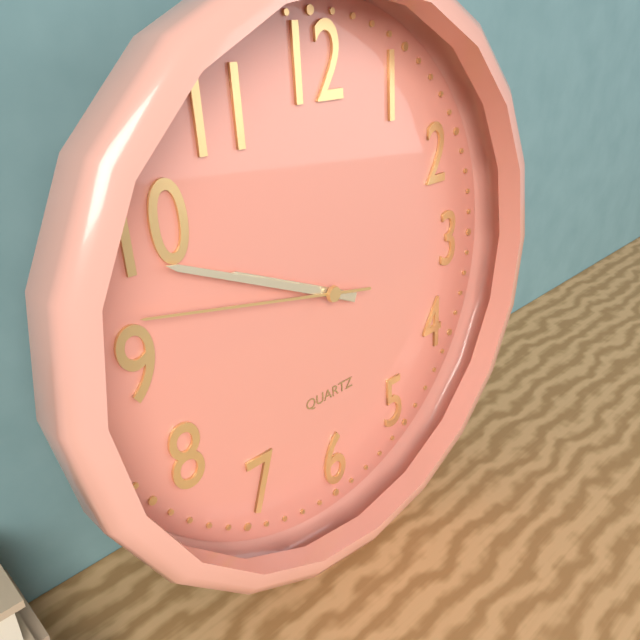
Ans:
**9:49:47**
